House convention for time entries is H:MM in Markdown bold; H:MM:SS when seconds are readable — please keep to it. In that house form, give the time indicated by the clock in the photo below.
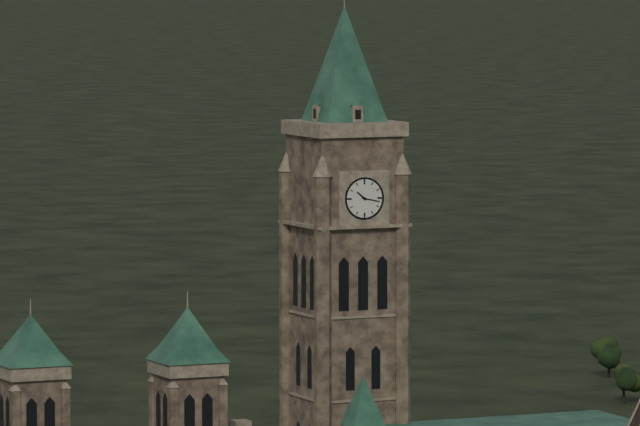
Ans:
**10:17**
